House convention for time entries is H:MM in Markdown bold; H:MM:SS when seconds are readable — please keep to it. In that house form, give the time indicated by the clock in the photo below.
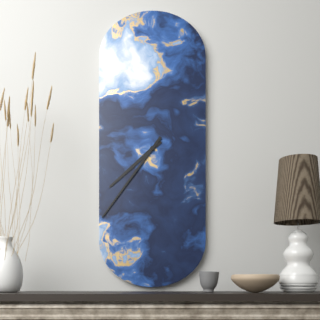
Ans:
**7:36**
